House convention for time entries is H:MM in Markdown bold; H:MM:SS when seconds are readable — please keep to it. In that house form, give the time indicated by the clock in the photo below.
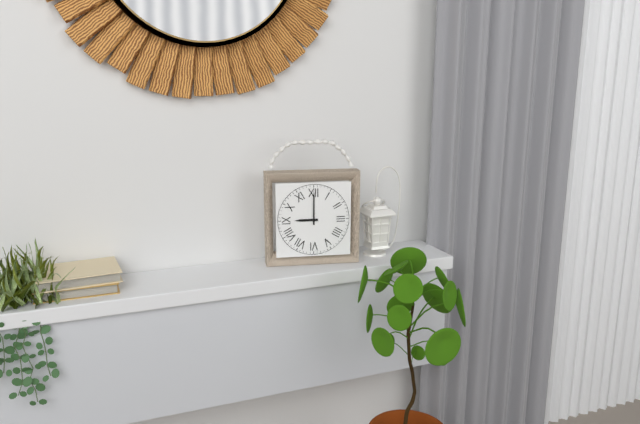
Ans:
**9:00**
